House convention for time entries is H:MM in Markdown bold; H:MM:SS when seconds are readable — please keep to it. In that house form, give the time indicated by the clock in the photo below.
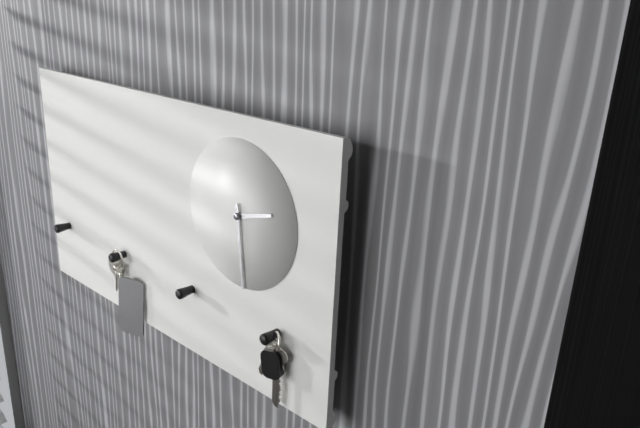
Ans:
**2:29**
